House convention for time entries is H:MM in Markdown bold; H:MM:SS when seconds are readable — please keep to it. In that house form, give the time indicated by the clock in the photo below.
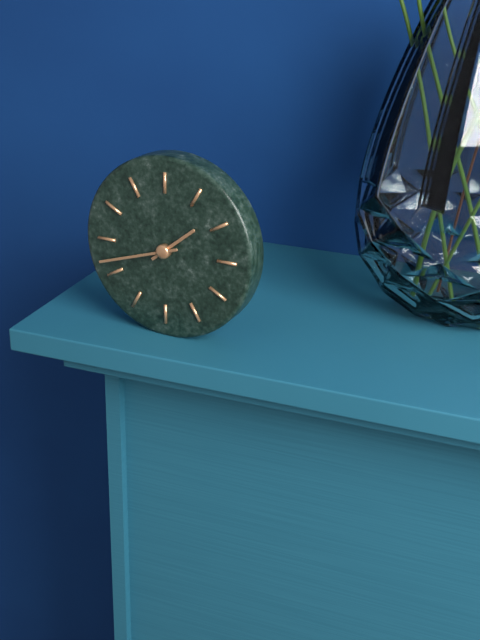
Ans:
**1:42**
